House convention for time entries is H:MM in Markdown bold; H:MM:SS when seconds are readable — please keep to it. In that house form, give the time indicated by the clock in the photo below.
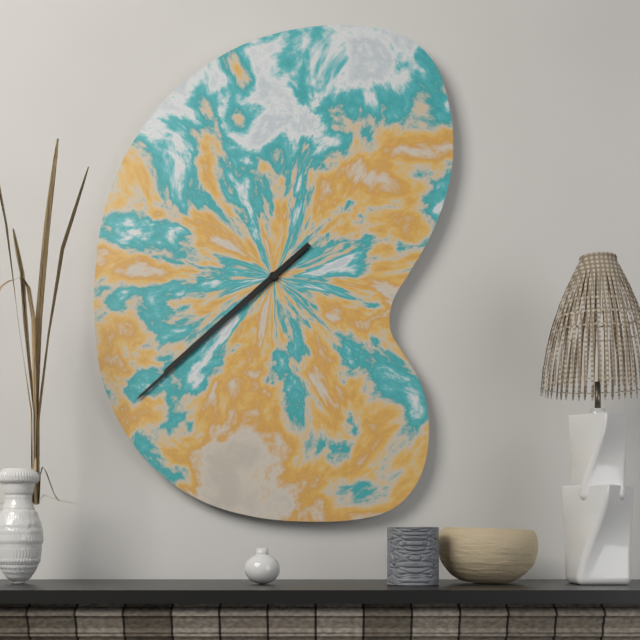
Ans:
**7:38**
